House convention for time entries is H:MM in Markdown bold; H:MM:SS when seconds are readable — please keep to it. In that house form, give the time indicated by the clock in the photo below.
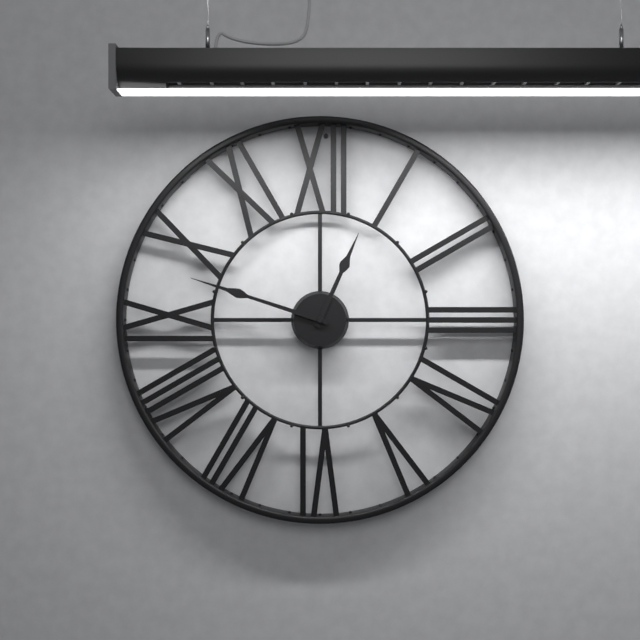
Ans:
**12:48**
